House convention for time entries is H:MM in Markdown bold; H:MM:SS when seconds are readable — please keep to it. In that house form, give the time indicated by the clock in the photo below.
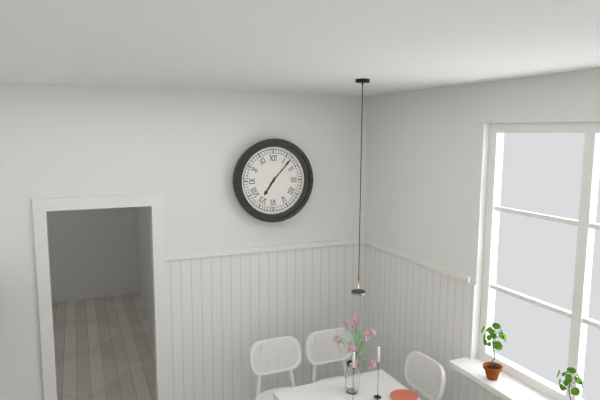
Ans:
**7:07**
